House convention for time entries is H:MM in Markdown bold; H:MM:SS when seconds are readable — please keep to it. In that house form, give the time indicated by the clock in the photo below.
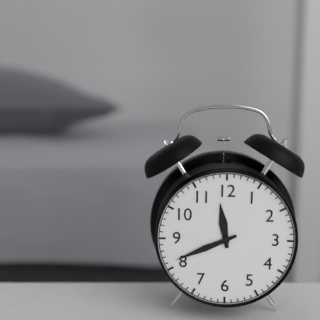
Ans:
**11:41**
